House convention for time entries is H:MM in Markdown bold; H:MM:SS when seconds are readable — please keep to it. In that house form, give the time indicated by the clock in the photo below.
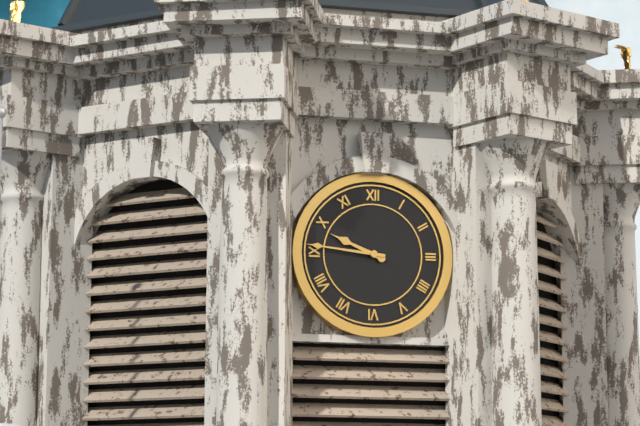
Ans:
**9:46**
